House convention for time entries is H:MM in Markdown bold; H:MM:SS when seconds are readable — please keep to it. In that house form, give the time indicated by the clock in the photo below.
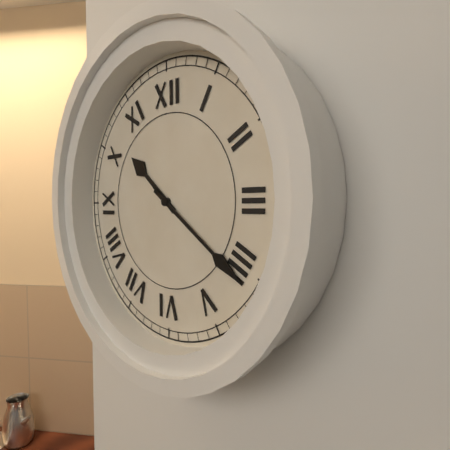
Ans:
**10:21**
